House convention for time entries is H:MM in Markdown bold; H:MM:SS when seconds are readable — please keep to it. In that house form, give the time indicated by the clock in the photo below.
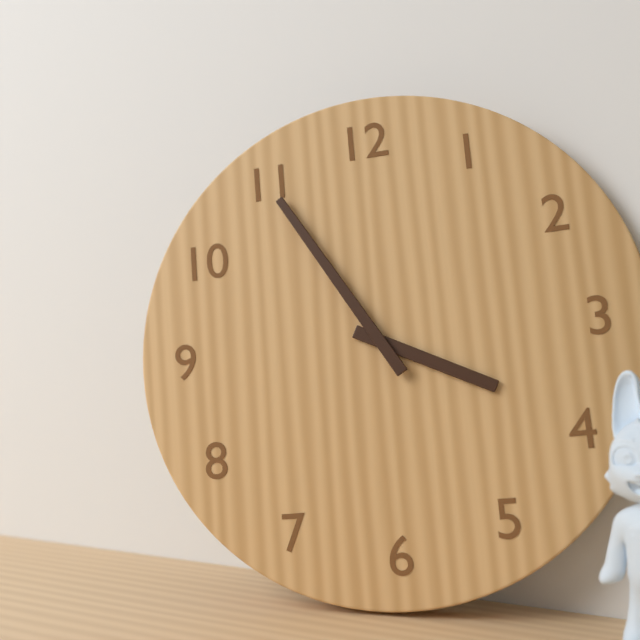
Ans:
**3:55**
